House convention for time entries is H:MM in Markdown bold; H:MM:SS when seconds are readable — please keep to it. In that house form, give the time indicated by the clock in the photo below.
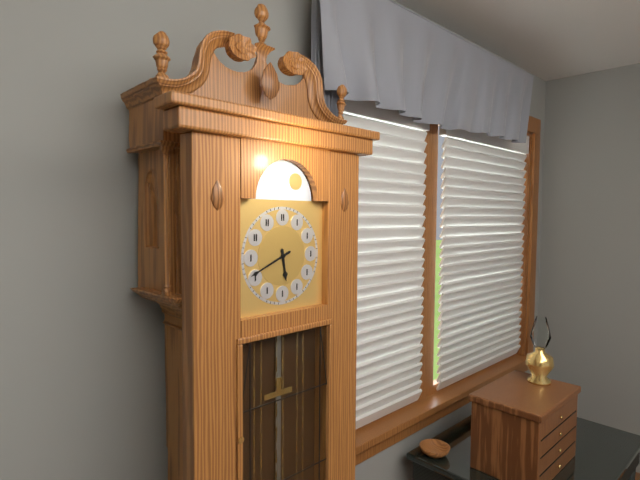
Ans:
**5:41**
